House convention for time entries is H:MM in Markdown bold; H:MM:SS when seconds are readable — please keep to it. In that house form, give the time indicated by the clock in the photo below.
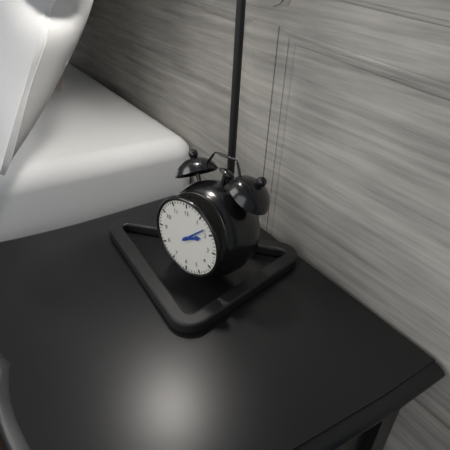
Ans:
**2:08**
